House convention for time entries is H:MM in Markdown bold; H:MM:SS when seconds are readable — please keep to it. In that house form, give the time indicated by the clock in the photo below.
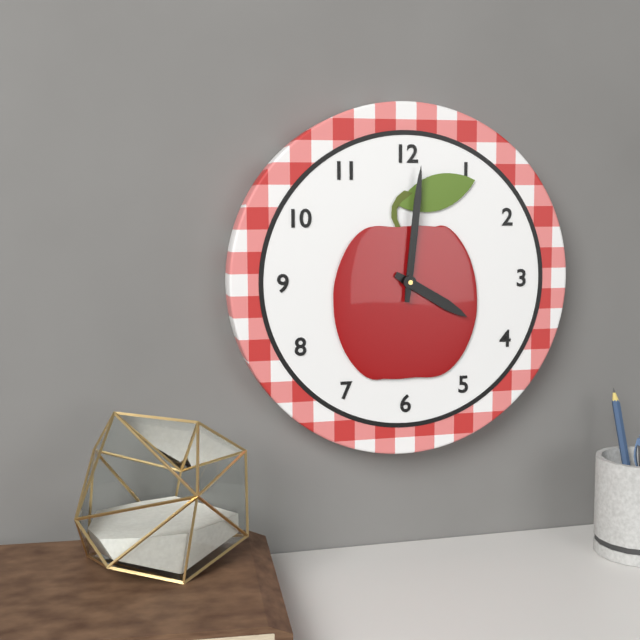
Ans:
**4:01**
